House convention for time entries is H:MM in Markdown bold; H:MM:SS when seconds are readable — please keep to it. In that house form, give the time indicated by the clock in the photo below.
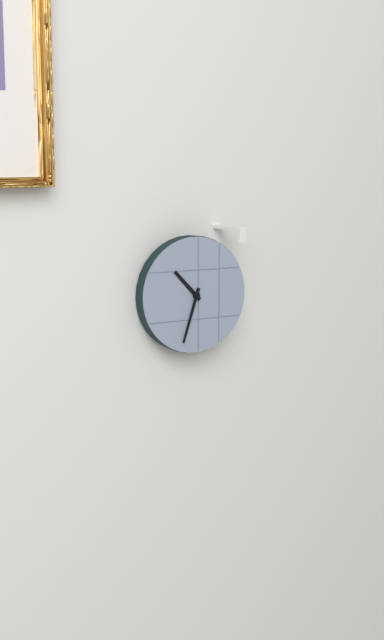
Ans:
**10:33**
